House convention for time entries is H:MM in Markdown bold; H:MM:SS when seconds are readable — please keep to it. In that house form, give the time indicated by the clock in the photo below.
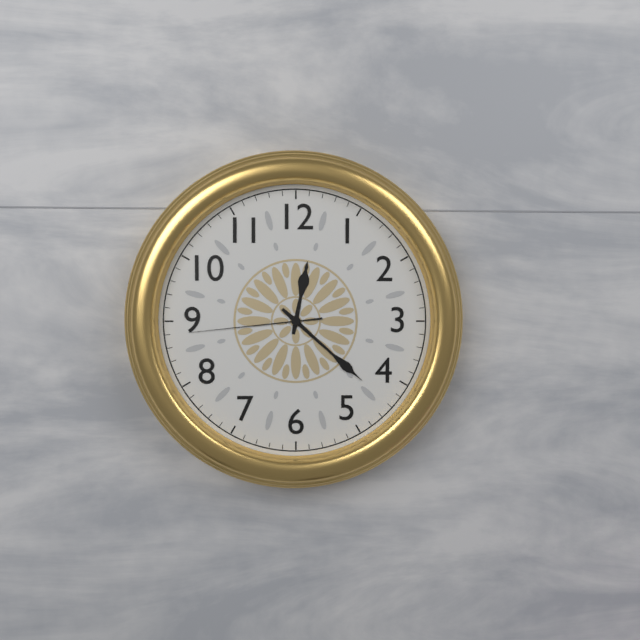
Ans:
**12:22:44**
